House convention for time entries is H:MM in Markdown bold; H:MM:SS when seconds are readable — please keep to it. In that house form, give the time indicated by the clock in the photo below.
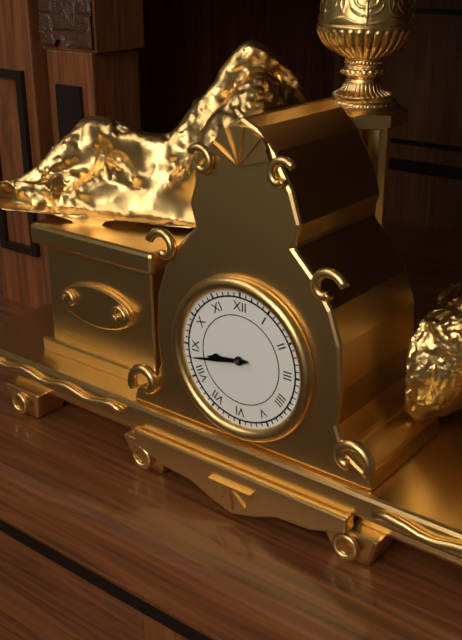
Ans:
**8:43**
